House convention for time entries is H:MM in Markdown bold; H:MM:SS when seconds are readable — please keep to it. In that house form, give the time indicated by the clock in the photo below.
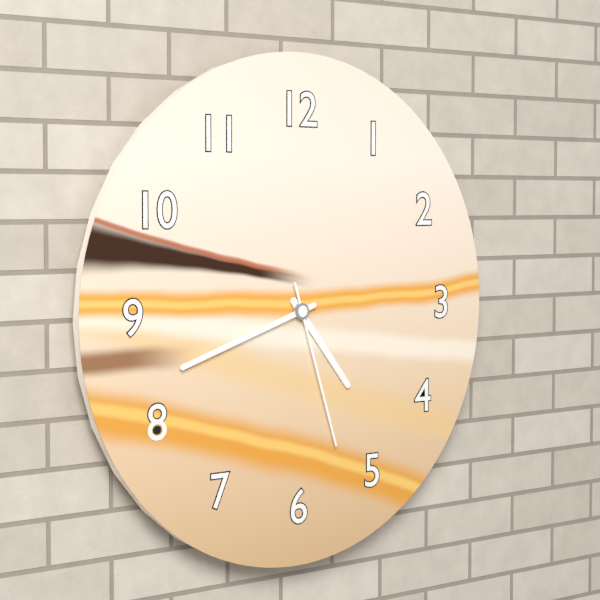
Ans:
**4:42:27**
